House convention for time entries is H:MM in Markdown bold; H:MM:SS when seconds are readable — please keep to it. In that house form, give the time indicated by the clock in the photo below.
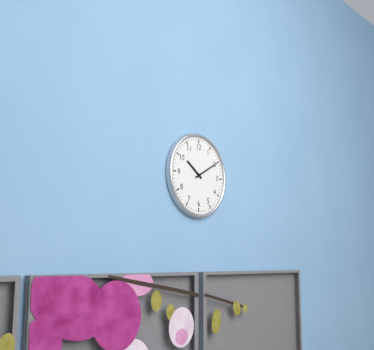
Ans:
**10:10**
